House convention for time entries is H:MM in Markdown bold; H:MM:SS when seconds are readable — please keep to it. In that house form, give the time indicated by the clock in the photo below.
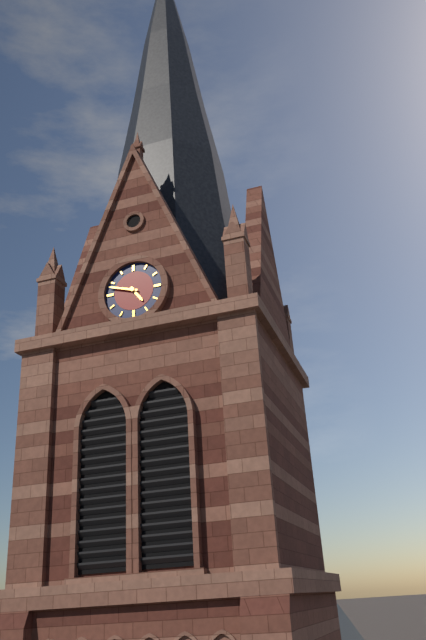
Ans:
**4:48**
